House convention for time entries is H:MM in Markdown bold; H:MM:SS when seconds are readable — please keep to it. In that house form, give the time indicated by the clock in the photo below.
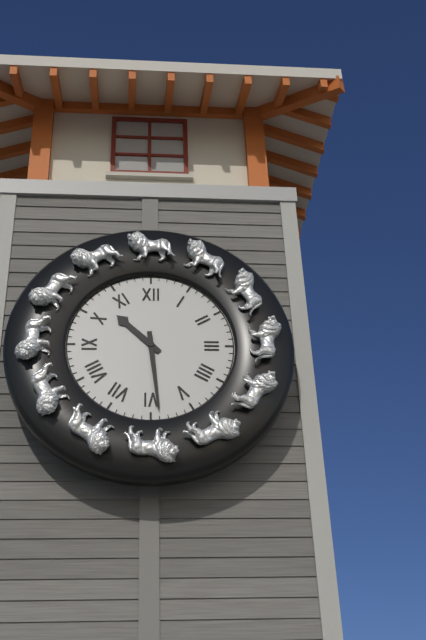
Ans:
**10:29**
